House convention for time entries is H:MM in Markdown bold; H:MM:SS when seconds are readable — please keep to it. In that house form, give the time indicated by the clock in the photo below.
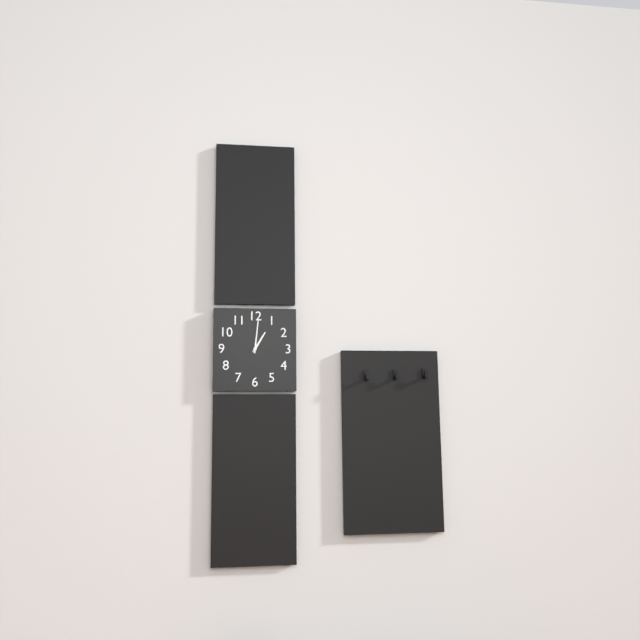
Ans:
**1:01**
